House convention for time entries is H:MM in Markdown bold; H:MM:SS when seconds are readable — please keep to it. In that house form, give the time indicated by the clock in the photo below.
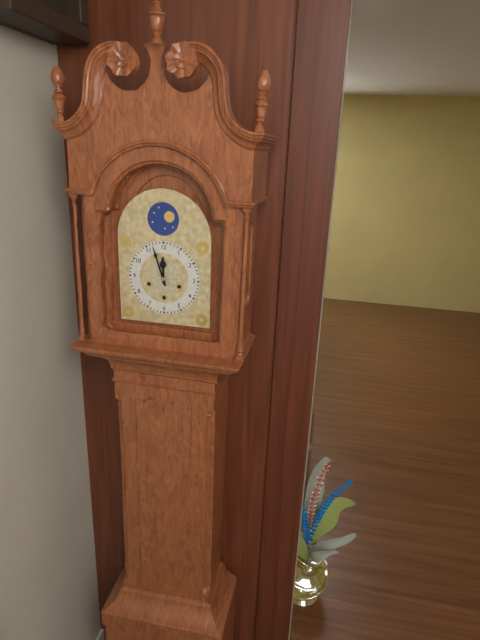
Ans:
**11:57**
